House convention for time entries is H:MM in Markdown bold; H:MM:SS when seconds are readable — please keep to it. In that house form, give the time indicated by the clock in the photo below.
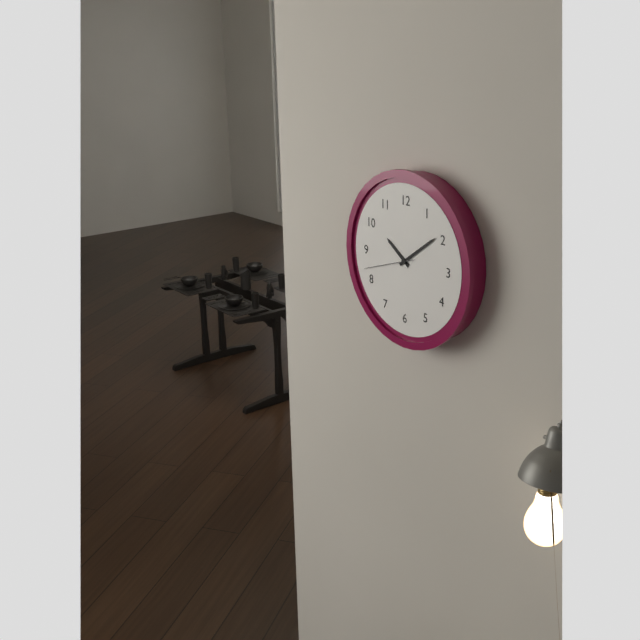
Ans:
**10:09:42**
